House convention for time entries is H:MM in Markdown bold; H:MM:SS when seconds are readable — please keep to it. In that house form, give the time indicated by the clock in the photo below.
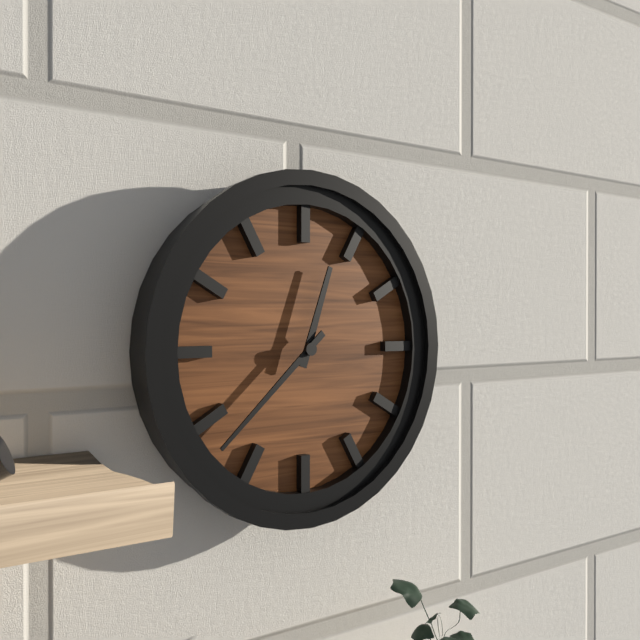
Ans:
**12:38**
